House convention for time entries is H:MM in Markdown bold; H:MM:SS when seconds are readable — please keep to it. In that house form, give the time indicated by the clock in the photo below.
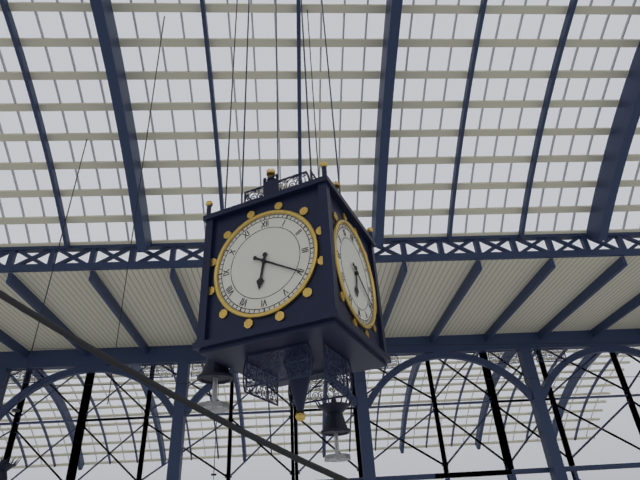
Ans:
**6:20**
